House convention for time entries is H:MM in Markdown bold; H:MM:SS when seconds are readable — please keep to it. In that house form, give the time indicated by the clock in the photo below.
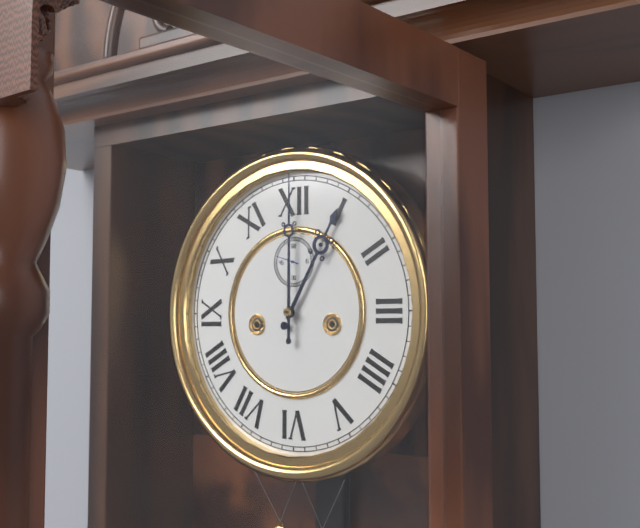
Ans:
**1:00**
